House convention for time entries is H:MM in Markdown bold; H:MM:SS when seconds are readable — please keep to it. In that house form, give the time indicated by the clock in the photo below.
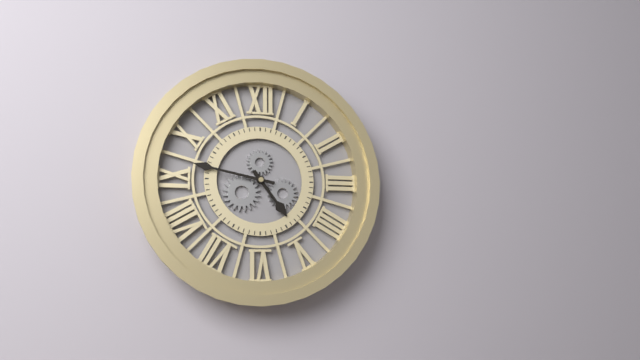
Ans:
**4:47**
